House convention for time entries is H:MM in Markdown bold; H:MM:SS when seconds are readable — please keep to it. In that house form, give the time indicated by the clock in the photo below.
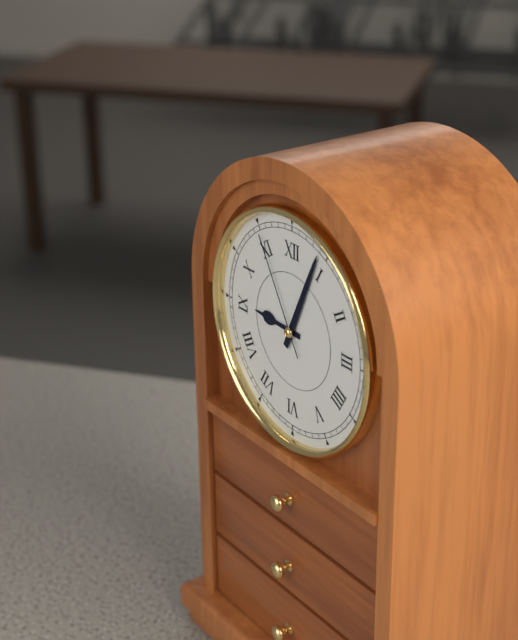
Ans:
**9:04:55**
